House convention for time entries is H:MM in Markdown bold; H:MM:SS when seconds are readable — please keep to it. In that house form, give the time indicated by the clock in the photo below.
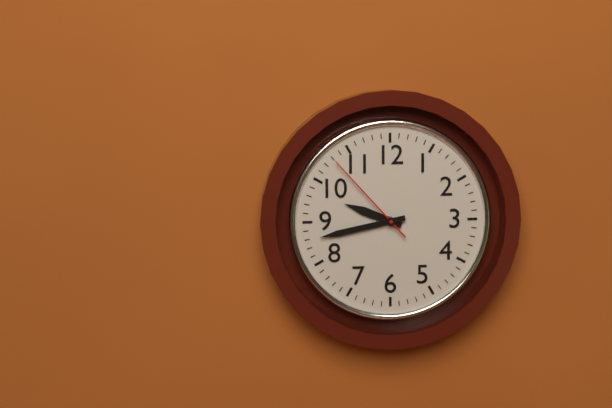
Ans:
**9:43:53**
